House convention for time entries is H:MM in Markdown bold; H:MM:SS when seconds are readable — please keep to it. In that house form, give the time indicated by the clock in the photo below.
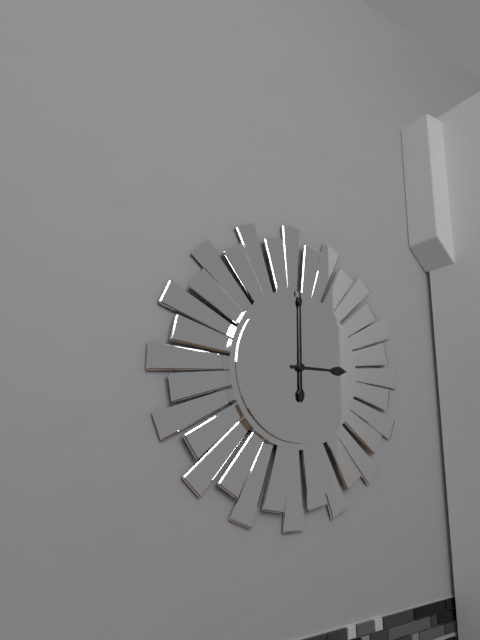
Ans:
**3:00**
